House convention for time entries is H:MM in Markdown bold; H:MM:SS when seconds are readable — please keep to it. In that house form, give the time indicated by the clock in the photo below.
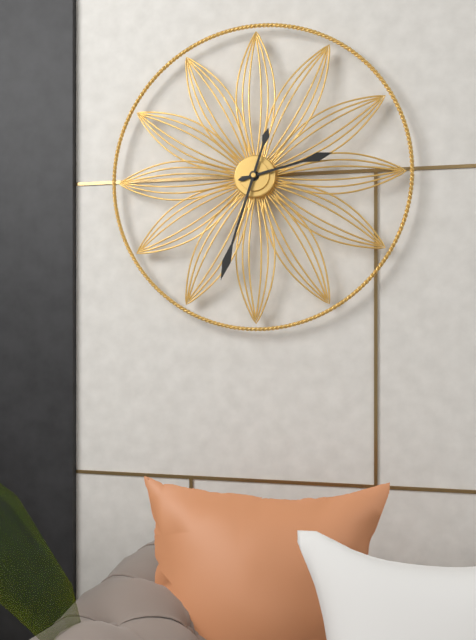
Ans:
**2:33**
